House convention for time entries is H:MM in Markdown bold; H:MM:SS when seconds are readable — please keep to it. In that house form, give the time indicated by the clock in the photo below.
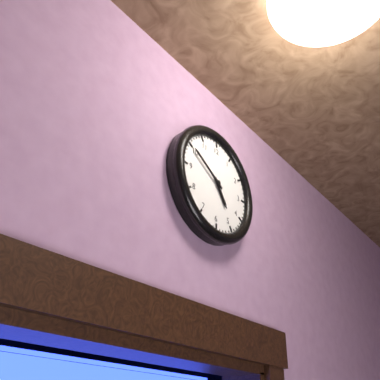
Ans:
**4:50**
